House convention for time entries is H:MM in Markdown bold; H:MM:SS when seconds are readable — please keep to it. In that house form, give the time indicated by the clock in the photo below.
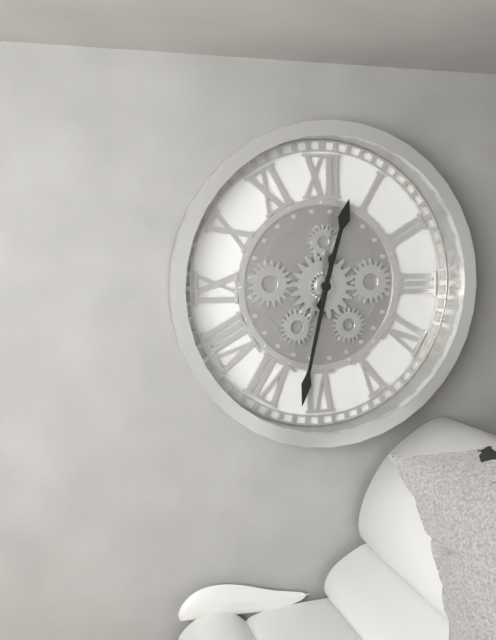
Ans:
**12:32**
